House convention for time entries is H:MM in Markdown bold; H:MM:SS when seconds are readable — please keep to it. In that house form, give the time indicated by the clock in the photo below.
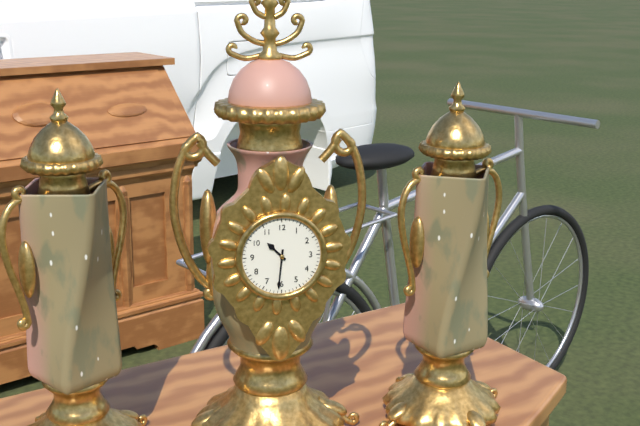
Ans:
**10:31**
